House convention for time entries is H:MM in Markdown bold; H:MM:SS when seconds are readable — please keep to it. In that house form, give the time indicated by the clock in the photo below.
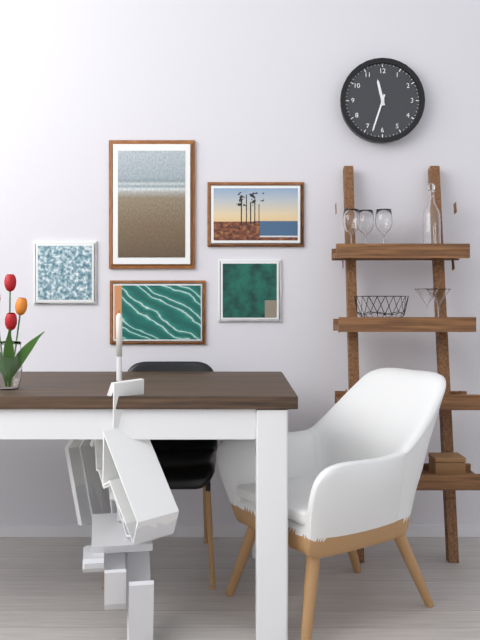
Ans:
**11:33**
